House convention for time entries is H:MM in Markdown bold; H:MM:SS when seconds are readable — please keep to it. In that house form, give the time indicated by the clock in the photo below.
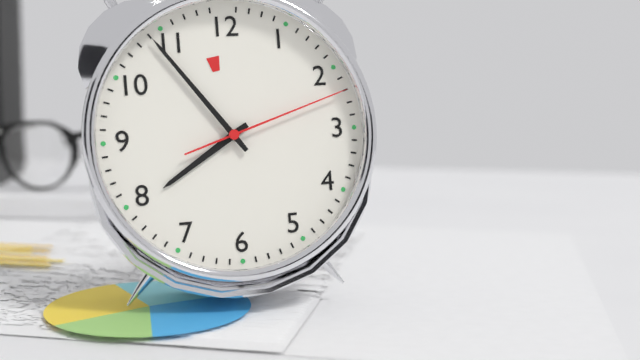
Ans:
**7:54:12**
